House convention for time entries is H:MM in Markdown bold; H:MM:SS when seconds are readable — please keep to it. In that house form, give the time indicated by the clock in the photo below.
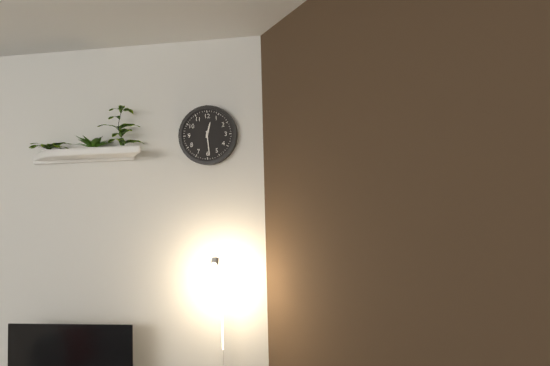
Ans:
**12:29**
